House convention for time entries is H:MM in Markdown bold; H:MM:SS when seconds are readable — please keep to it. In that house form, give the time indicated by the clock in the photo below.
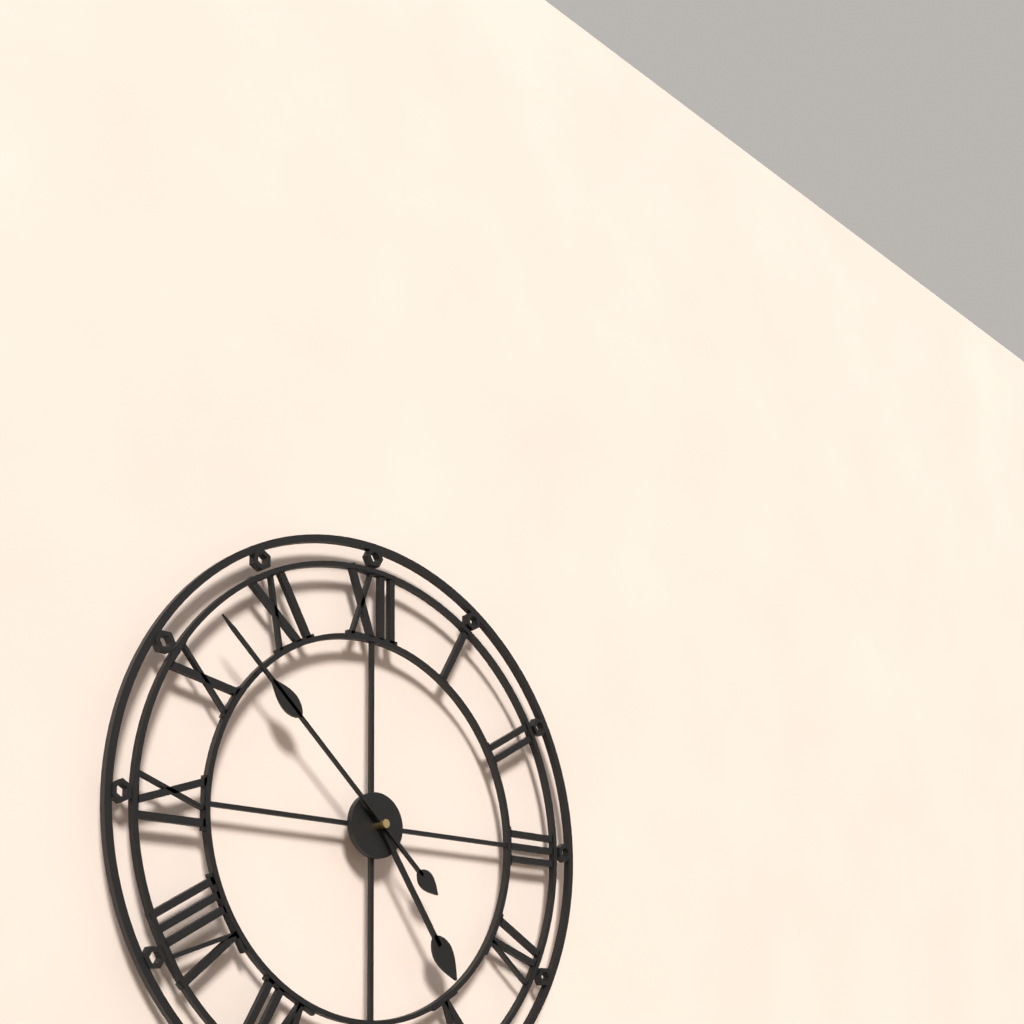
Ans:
**4:52**
